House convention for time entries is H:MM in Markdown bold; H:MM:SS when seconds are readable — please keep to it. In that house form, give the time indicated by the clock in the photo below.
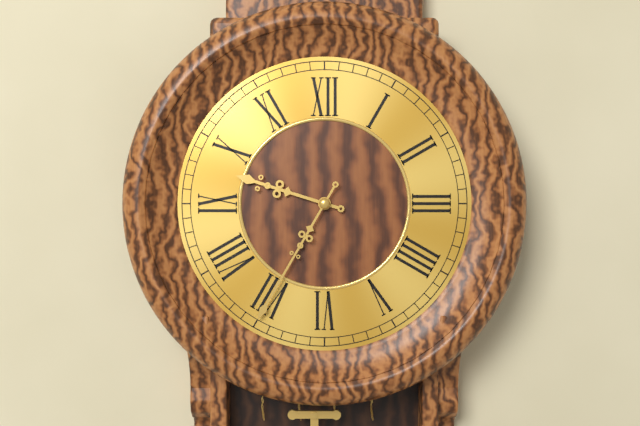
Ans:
**9:35**
